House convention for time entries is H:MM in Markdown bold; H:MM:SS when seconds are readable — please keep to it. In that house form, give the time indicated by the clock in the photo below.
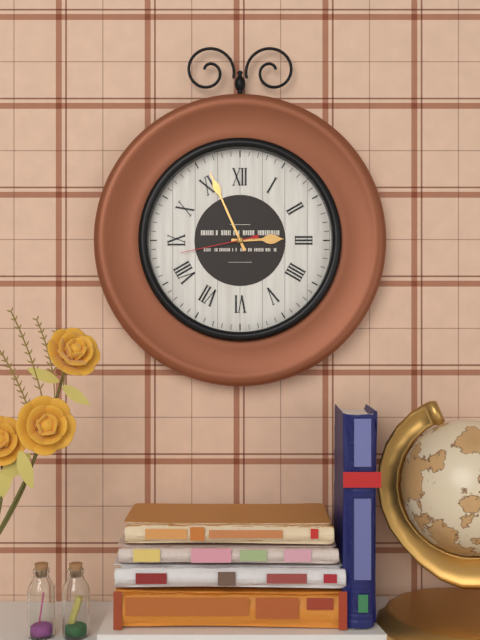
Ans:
**2:56:43**
